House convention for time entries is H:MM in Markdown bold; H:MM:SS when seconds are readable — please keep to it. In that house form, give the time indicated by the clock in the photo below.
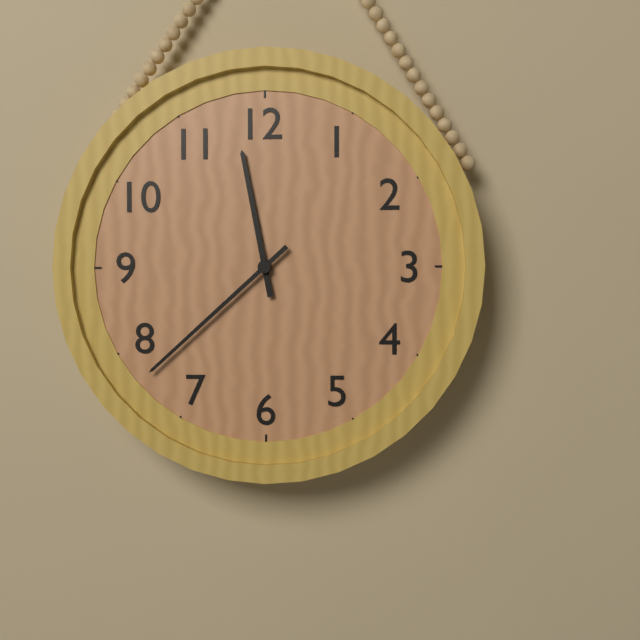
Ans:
**11:38**
